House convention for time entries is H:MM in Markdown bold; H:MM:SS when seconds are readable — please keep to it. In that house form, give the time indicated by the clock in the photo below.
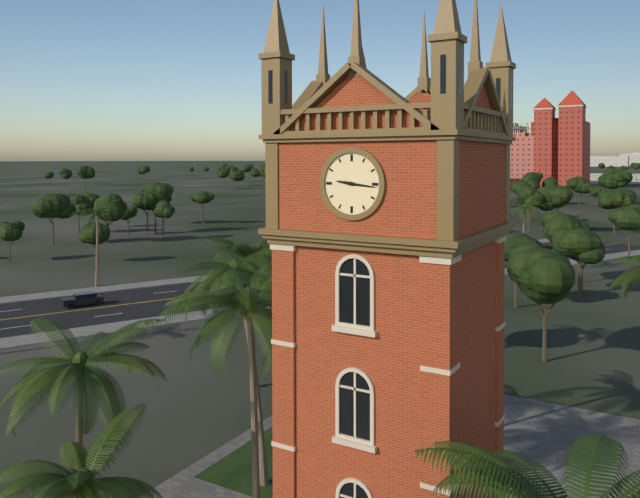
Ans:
**9:16**
